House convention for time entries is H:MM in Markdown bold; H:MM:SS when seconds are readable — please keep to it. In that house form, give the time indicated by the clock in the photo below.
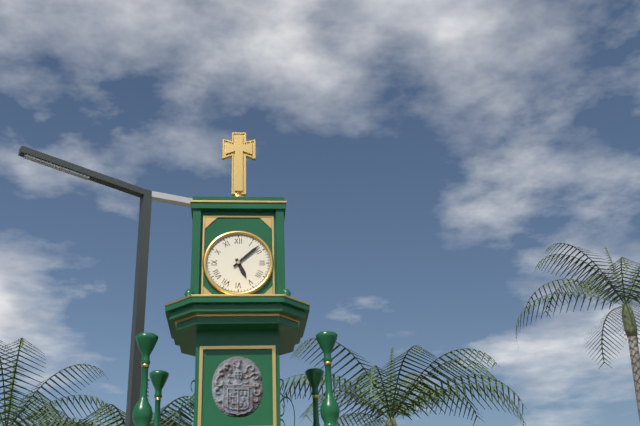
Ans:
**5:08**
